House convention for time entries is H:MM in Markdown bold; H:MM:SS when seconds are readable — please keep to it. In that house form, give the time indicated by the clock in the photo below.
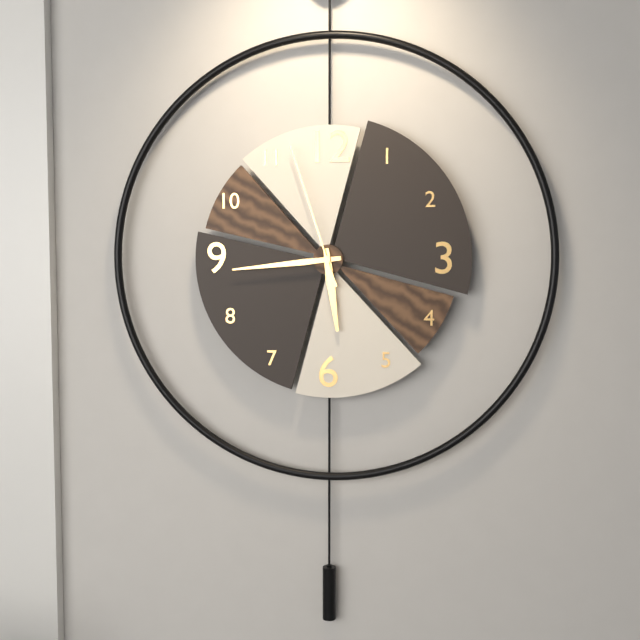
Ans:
**5:44:57**
